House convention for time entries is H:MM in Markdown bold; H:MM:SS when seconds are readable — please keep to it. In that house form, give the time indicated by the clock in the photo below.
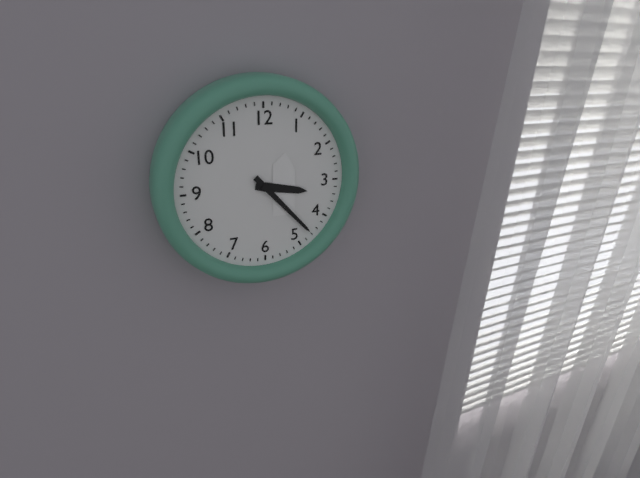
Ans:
**3:23**
